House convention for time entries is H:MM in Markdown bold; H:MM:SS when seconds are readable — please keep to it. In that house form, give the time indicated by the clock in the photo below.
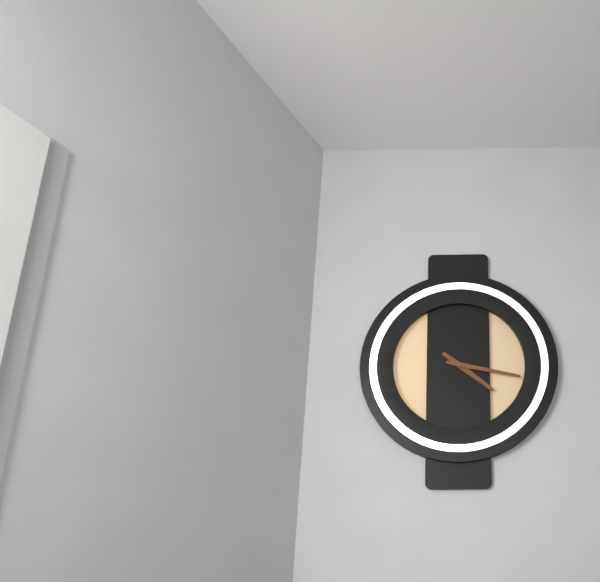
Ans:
**4:17**
